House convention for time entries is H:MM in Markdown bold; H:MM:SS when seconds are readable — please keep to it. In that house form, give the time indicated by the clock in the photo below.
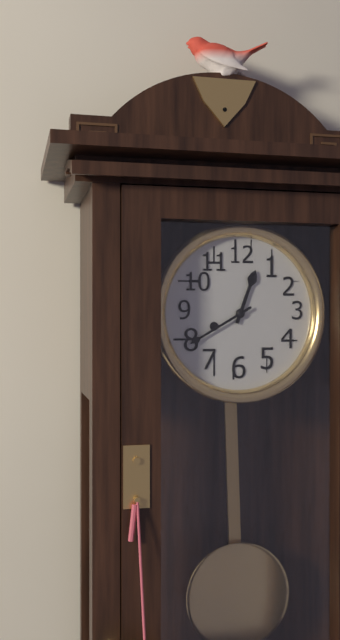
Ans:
**12:40**
